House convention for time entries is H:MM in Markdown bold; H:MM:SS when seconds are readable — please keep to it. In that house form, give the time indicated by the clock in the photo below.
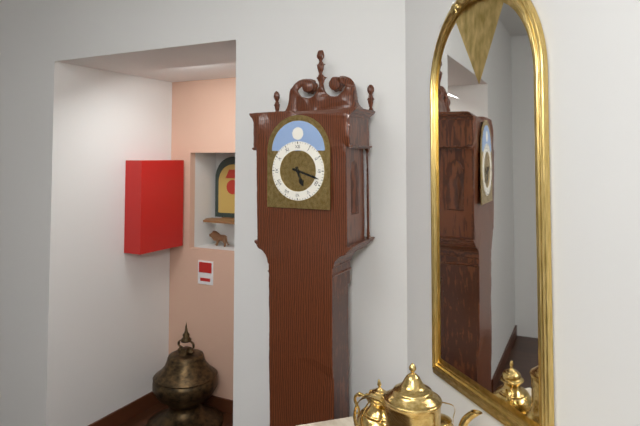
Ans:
**5:18**
